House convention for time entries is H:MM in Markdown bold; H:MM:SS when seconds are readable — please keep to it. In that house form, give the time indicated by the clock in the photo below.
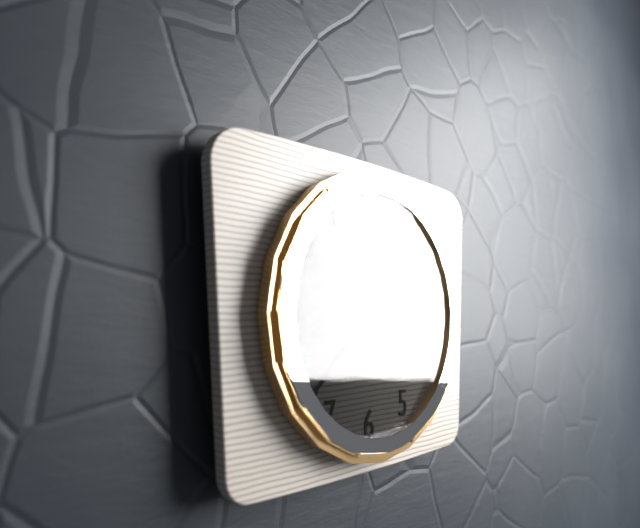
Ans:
**11:38**
